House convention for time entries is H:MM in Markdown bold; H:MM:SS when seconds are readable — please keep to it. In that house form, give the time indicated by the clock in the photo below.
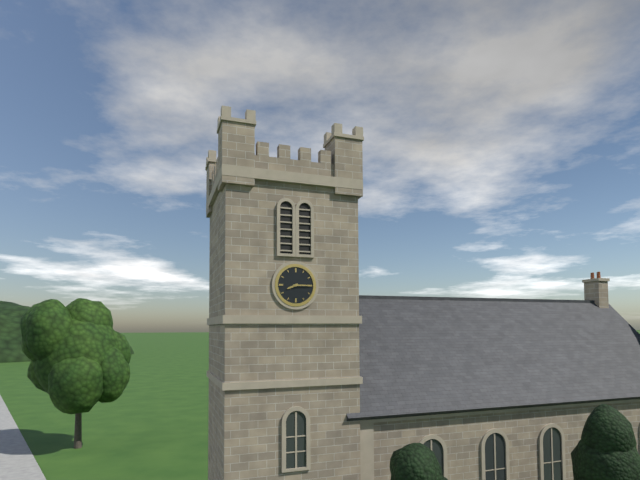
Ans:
**8:15**
